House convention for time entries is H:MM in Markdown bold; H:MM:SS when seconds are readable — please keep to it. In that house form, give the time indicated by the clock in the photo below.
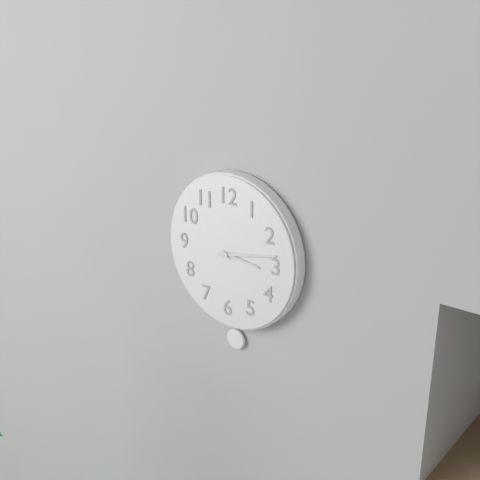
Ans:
**3:13**
